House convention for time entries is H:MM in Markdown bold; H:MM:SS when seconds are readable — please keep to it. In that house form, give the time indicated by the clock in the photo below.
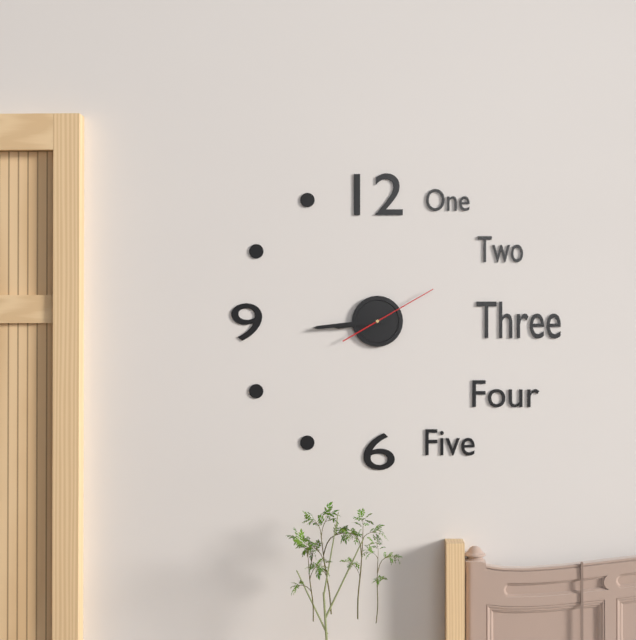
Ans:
**8:44:10**
